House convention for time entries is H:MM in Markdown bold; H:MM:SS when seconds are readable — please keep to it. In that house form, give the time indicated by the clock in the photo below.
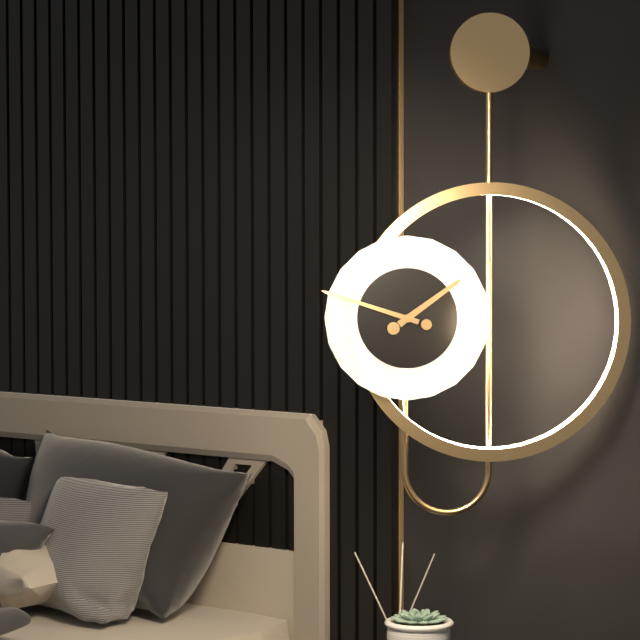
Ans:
**1:48**
